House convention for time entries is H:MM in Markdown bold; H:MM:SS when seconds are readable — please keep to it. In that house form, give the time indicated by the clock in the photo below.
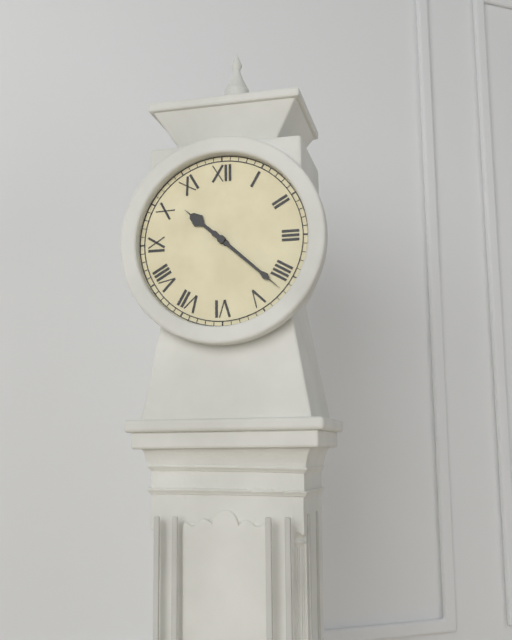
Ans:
**10:22**
